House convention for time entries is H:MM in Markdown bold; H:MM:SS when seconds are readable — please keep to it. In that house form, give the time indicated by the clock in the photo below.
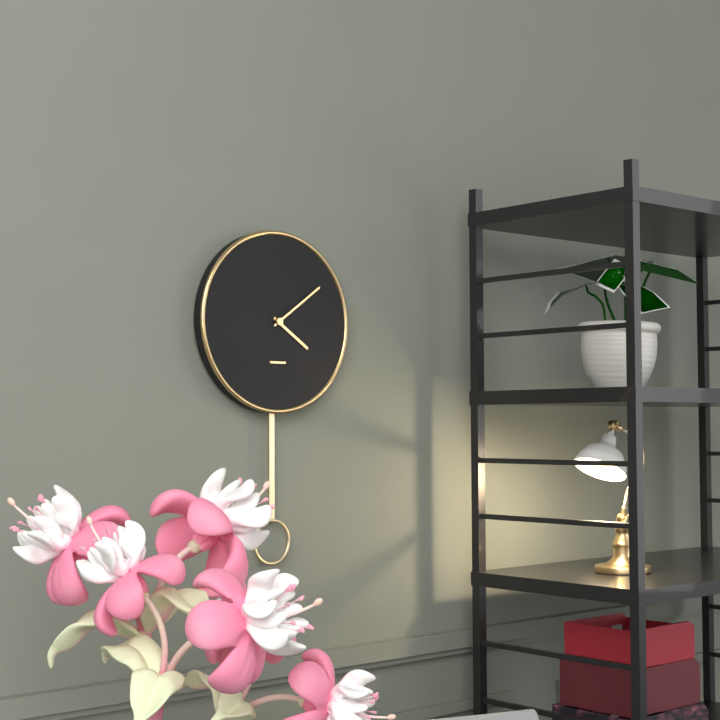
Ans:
**4:09**
